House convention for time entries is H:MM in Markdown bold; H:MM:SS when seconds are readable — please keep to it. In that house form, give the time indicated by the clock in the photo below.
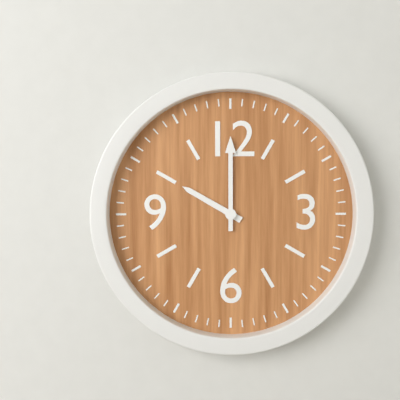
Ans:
**10:00**
